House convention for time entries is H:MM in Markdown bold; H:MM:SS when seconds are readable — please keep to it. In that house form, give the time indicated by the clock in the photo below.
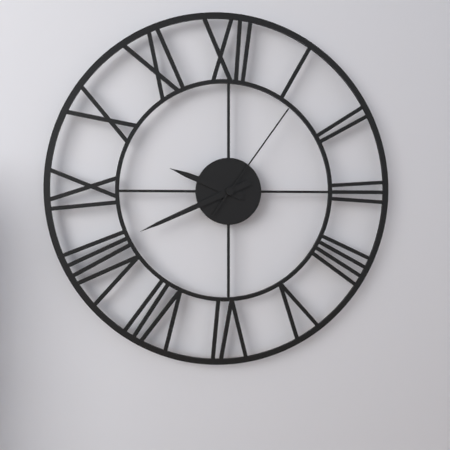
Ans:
**9:41:06**
